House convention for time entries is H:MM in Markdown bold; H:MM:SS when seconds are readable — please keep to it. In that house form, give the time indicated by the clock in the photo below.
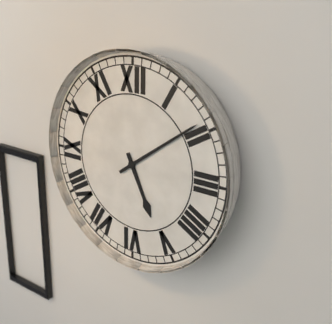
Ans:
**5:09**
